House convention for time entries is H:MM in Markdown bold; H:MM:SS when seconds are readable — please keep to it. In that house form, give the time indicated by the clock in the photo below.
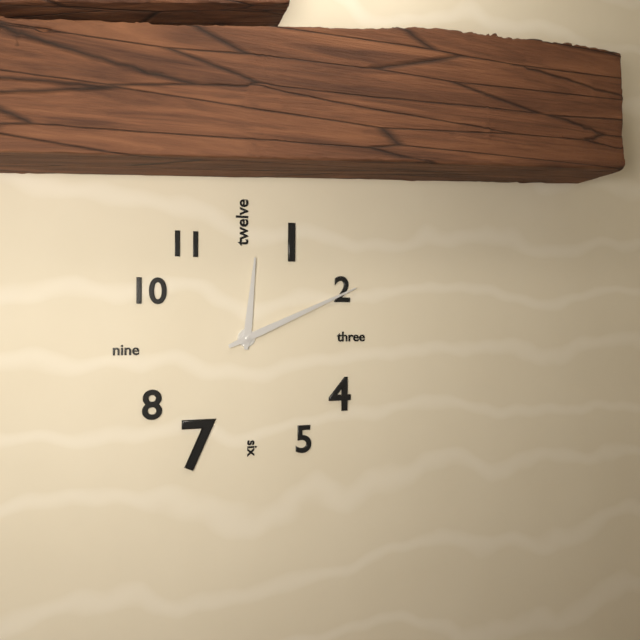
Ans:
**12:11**
